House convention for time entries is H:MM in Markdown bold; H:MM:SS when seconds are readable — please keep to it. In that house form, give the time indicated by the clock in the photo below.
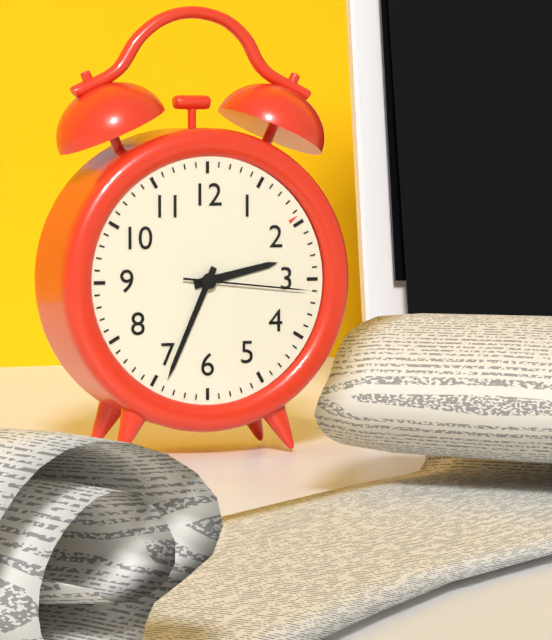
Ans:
**2:34:16**
